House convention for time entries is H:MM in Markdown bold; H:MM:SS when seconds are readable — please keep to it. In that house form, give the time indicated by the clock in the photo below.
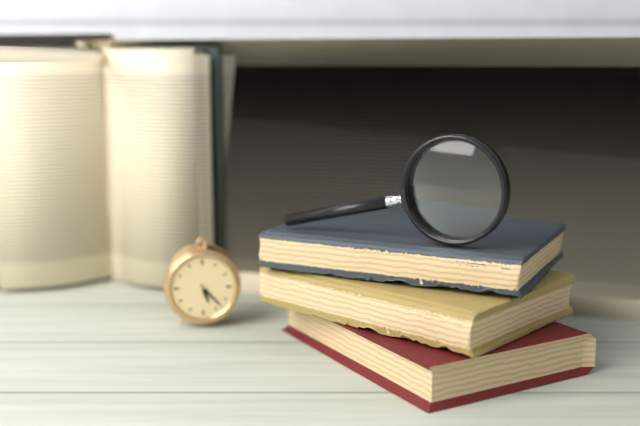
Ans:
**5:23**
